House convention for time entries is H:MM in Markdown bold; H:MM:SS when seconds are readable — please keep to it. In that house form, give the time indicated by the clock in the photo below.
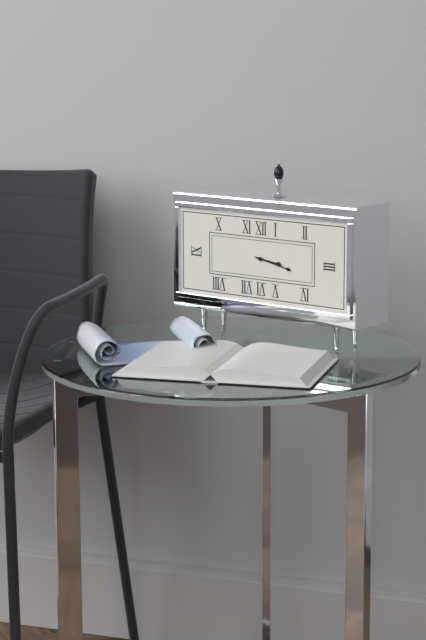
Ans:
**3:17**
